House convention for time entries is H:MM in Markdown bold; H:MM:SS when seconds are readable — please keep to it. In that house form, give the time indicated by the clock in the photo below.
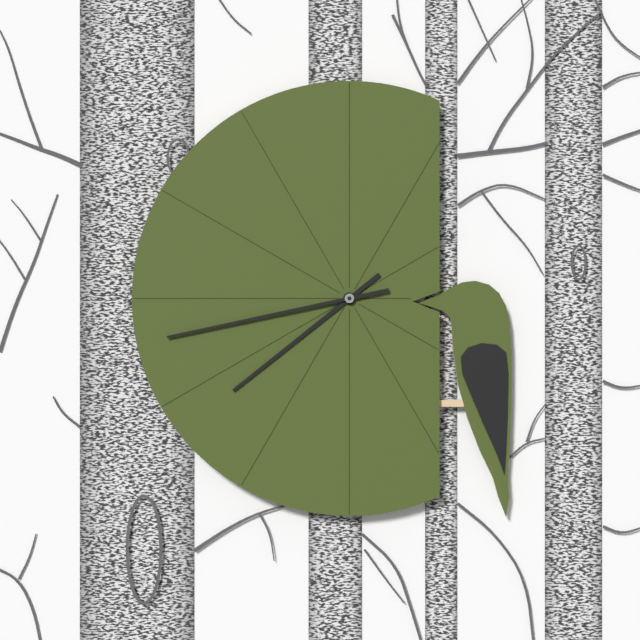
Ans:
**7:43**
